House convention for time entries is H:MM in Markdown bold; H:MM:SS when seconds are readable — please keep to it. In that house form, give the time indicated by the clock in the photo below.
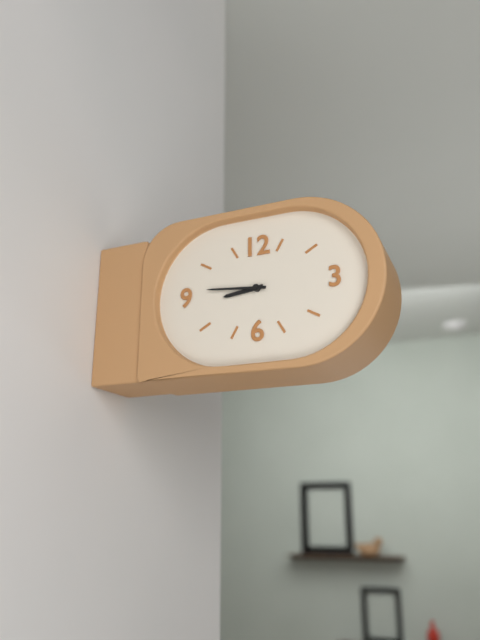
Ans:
**8:46**
